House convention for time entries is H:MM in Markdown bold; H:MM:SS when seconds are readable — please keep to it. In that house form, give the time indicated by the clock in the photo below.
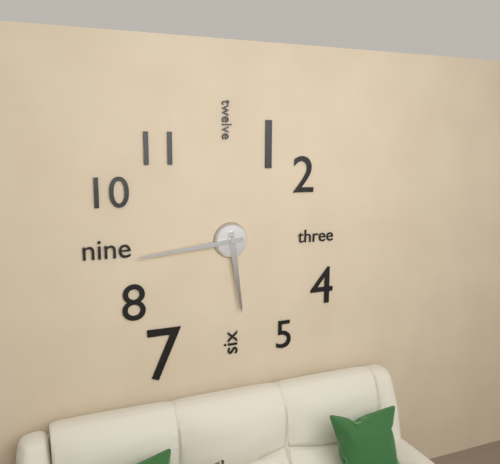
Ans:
**5:44**
